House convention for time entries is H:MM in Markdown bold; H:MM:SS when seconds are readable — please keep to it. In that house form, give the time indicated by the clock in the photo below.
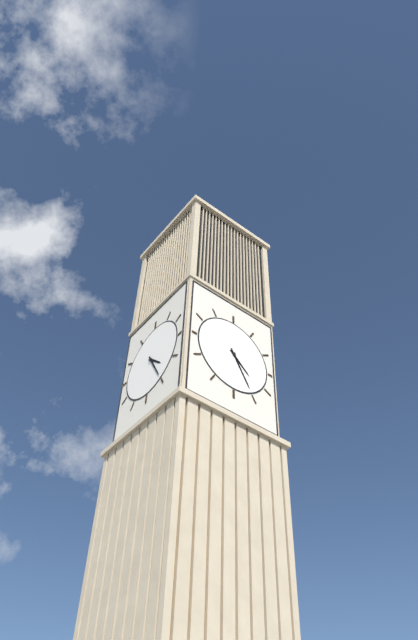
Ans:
**4:25**
